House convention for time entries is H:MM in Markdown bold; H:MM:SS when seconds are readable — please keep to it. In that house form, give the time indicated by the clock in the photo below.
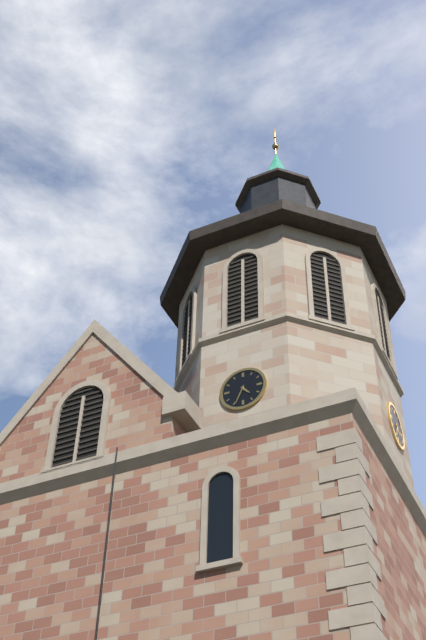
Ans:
**4:34**
